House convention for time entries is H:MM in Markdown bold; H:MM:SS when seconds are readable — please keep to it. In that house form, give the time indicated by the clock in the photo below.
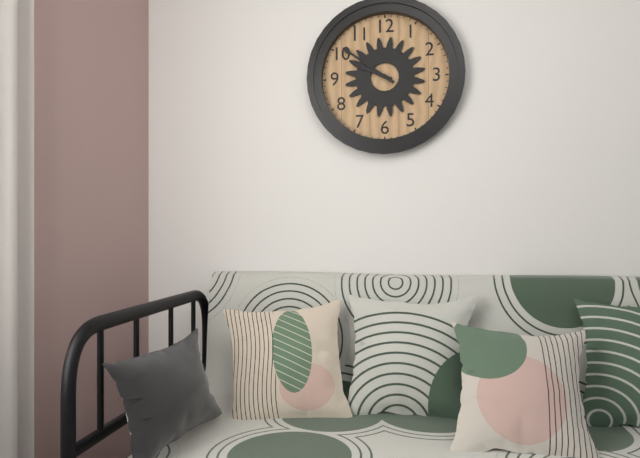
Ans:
**9:51**
